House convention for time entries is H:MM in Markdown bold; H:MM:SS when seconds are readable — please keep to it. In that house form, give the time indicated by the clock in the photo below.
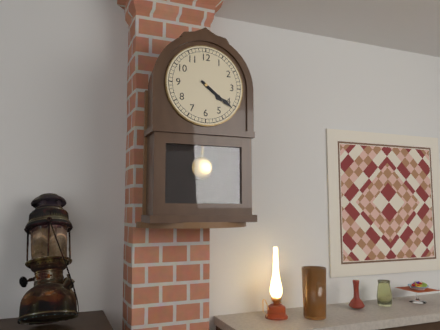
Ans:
**4:21**
